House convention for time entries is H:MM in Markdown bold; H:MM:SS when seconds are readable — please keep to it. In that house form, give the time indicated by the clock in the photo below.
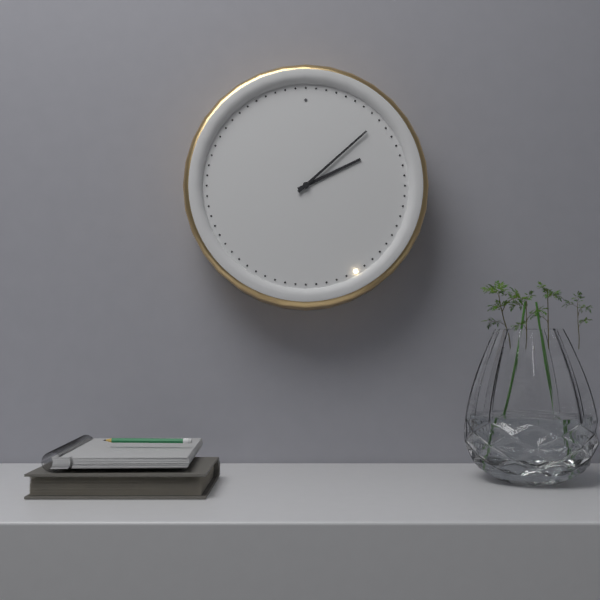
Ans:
**2:08**
